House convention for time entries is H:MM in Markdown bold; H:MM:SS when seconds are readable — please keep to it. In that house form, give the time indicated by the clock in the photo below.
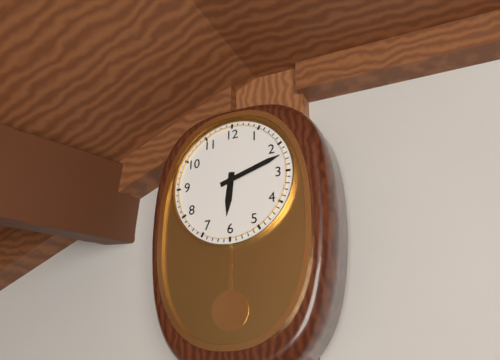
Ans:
**6:12**
